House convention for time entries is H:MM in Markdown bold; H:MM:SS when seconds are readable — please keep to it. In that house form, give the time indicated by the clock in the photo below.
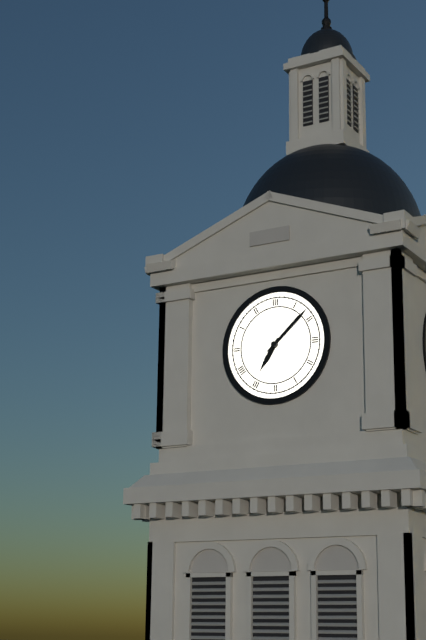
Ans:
**7:08**
